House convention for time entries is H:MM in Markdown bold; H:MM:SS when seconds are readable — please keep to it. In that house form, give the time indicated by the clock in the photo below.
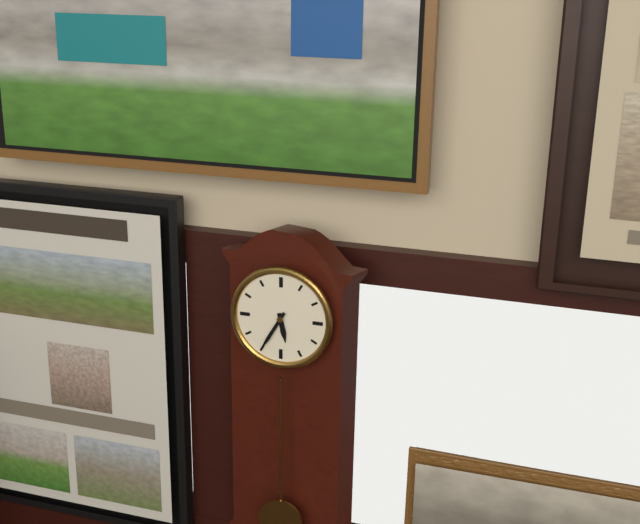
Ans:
**5:35**
